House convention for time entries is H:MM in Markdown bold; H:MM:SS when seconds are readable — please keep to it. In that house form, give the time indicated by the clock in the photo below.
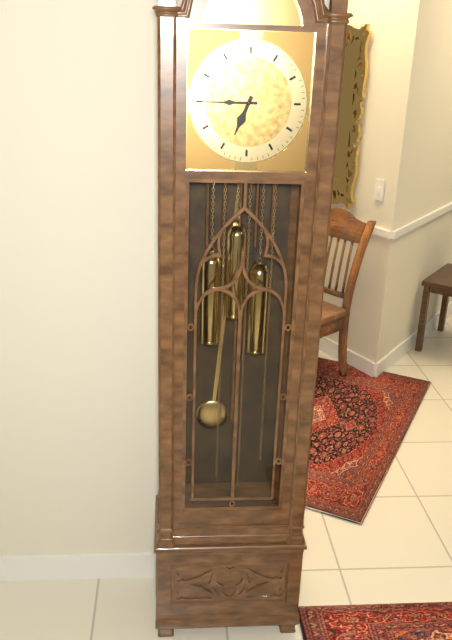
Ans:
**6:45**
